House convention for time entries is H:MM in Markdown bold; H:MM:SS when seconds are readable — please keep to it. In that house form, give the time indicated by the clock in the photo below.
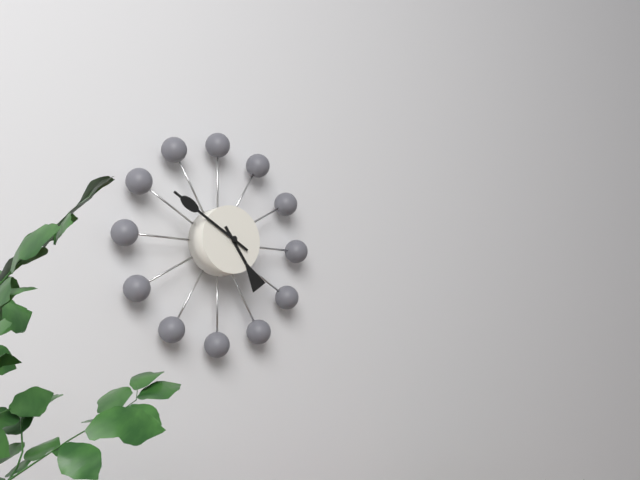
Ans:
**4:50**
